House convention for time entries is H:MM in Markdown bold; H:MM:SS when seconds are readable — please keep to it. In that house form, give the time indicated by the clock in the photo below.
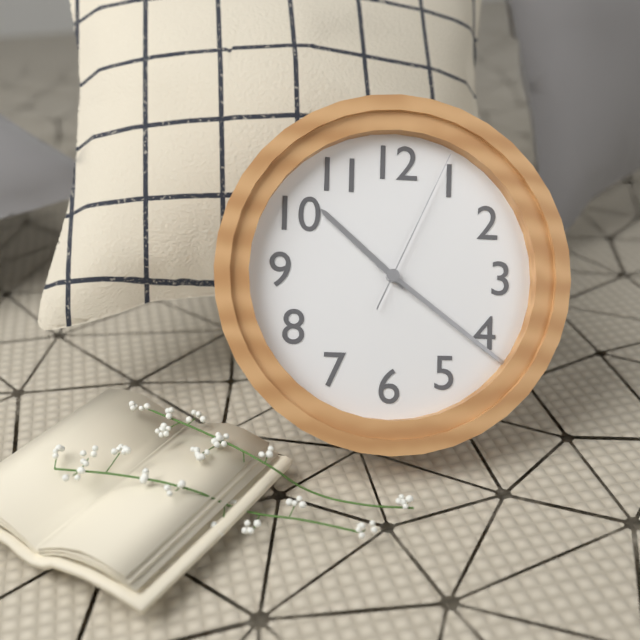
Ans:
**10:21:04**
